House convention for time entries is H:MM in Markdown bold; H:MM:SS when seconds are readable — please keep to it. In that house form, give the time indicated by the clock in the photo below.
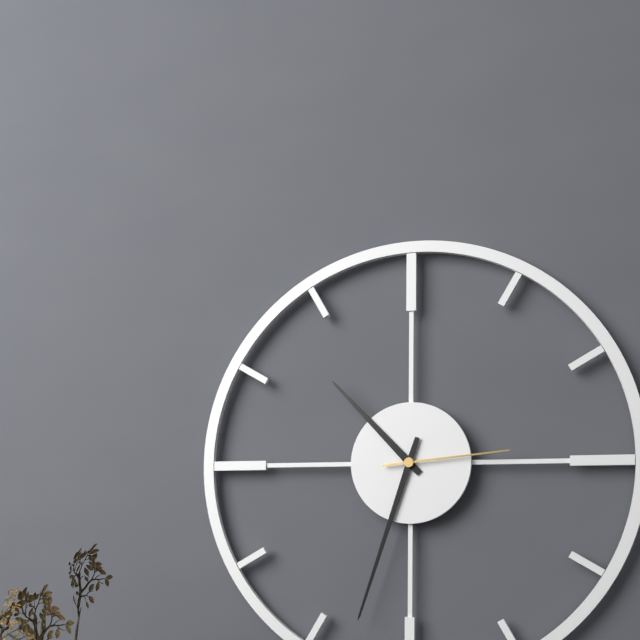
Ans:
**10:33:14**
